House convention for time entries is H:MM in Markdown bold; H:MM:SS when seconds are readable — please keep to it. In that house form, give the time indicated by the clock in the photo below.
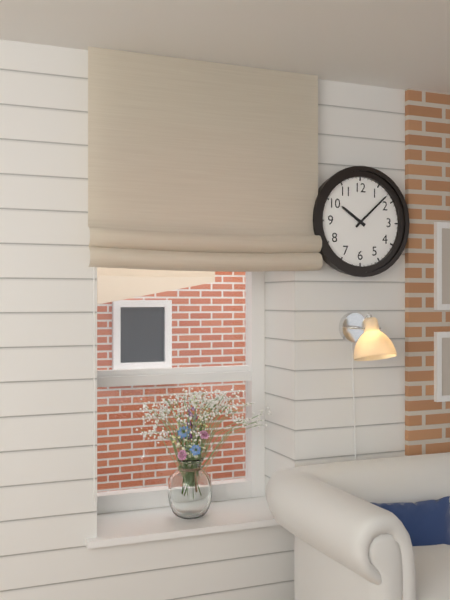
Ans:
**10:08**
